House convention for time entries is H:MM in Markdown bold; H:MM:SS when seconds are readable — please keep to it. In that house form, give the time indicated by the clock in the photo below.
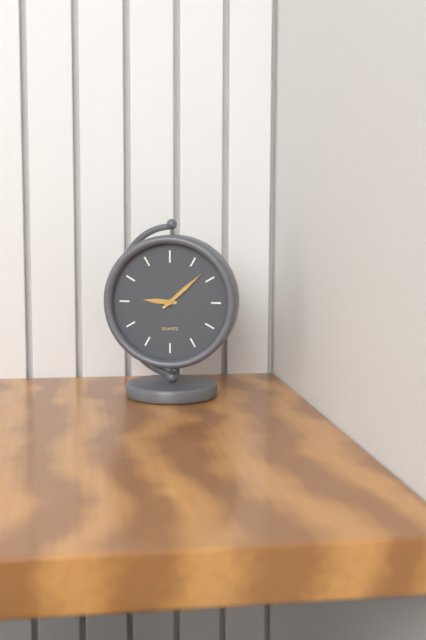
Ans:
**9:08**
